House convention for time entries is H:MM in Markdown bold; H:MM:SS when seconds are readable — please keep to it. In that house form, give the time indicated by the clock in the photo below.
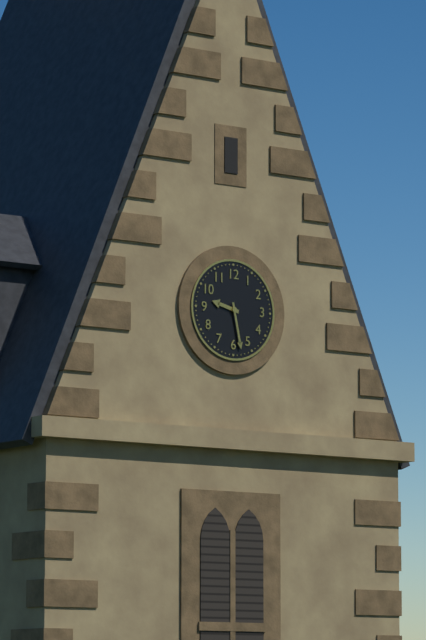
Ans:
**9:28**
